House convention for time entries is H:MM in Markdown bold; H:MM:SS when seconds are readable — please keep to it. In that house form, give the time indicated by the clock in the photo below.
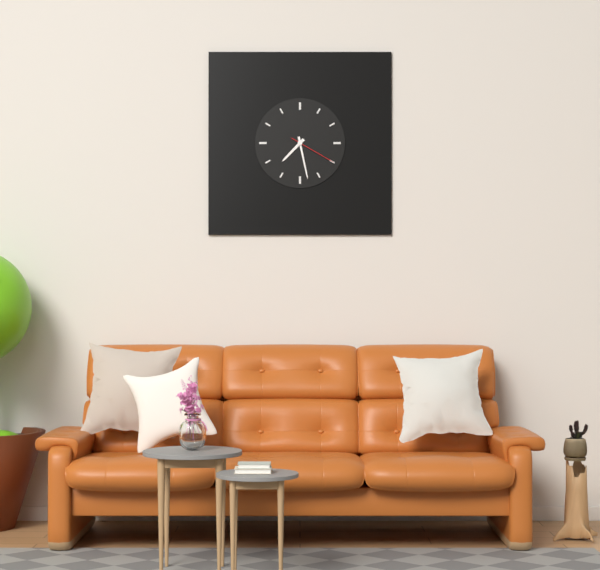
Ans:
**7:28**
